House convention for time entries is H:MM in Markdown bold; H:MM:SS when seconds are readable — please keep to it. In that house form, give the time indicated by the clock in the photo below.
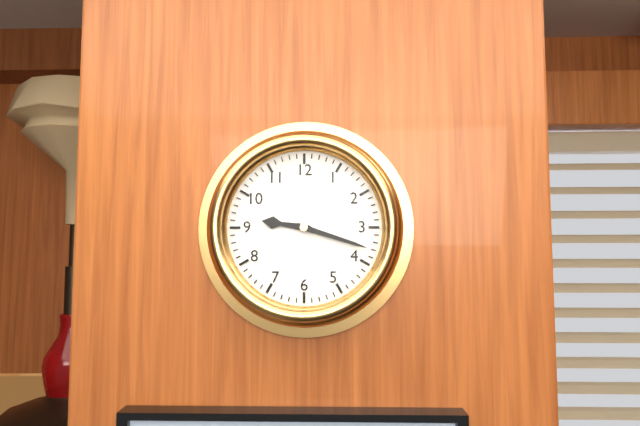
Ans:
**9:18**
